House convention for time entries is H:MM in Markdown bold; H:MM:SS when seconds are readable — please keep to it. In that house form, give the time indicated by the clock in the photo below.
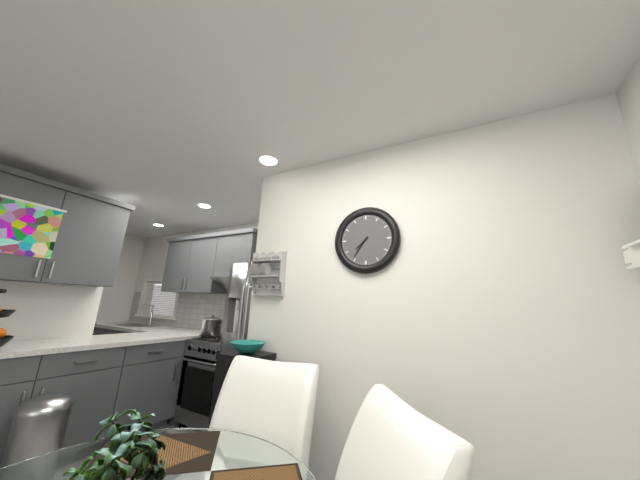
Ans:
**7:36**
